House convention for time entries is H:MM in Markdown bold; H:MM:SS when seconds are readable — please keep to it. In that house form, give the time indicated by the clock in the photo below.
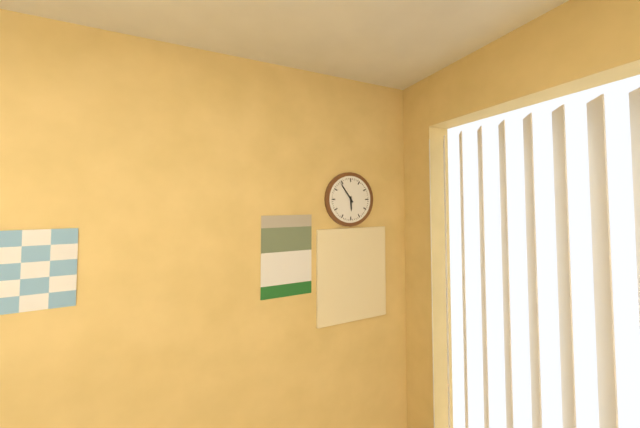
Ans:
**5:54**
